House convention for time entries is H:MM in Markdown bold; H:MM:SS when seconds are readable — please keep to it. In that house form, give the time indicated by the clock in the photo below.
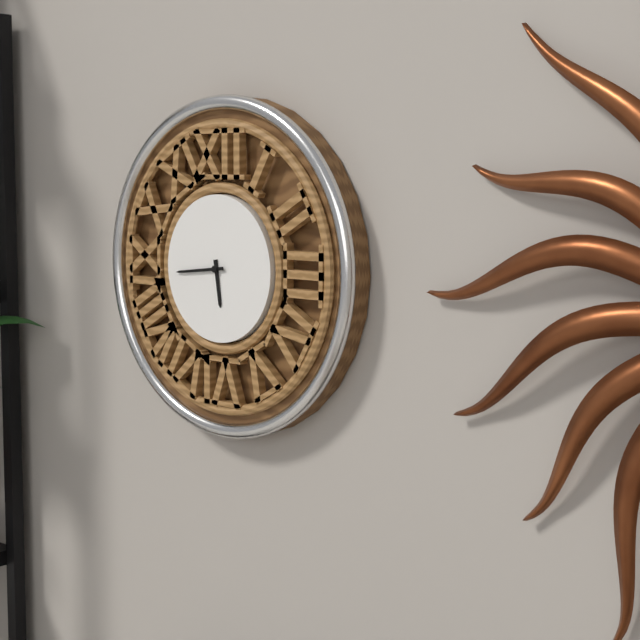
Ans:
**5:44**
